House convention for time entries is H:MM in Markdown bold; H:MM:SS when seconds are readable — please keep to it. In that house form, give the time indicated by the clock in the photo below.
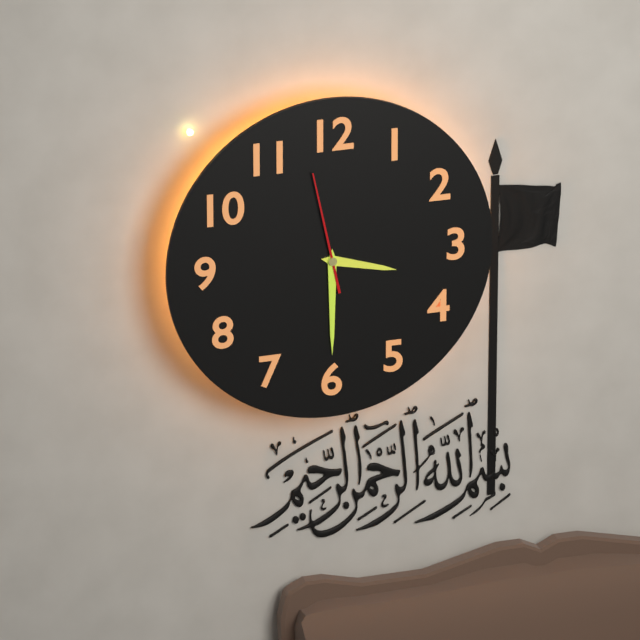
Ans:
**3:30:58**
